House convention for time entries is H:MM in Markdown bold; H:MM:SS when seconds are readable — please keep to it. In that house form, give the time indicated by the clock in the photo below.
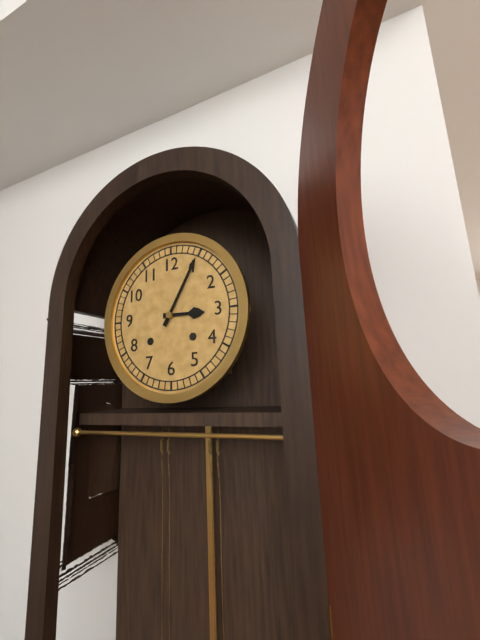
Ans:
**3:05**
